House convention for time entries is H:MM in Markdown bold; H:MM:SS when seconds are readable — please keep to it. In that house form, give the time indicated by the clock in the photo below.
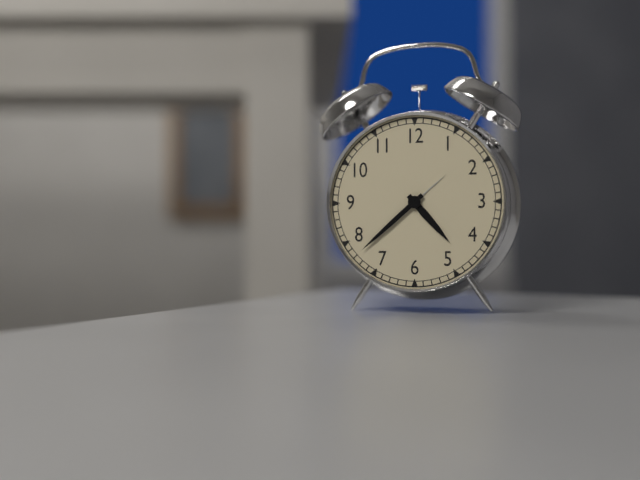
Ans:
**4:38**
